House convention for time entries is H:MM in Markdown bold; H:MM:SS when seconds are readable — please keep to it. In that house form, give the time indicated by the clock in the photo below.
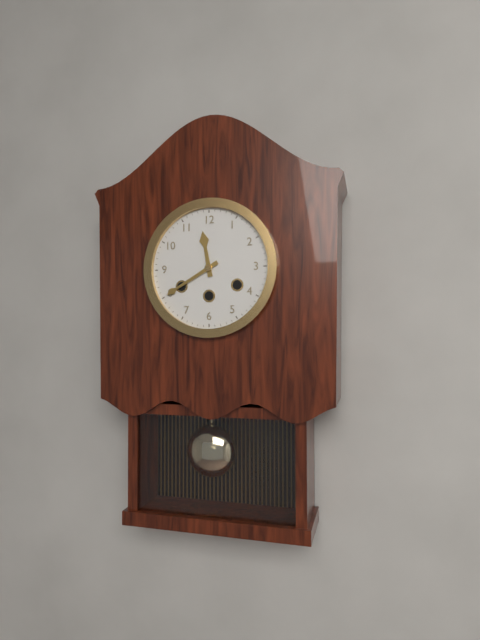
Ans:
**11:40**
